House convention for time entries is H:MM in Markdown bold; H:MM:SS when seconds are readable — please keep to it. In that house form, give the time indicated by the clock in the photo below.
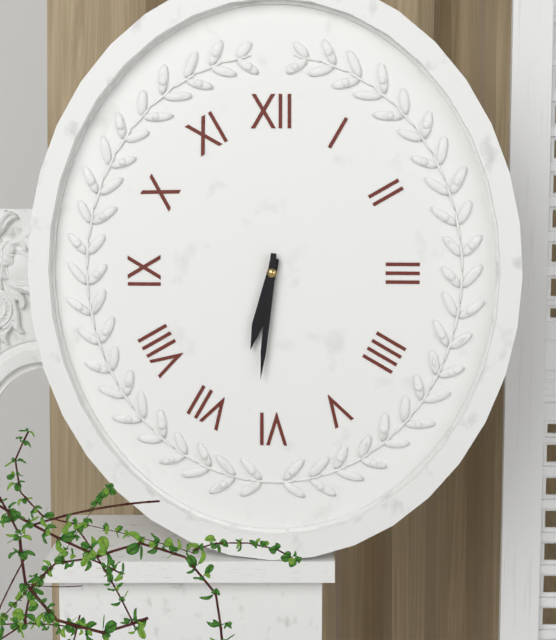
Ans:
**6:31**
